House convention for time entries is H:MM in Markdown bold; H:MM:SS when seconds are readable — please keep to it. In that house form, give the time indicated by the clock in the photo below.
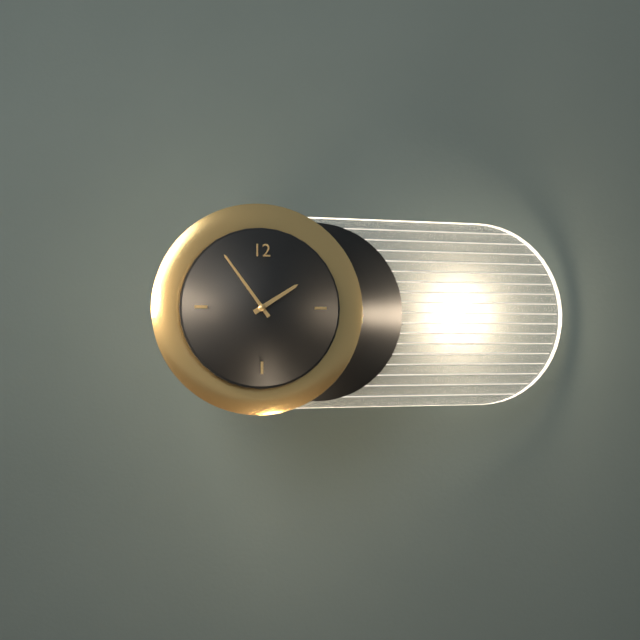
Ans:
**1:54**
